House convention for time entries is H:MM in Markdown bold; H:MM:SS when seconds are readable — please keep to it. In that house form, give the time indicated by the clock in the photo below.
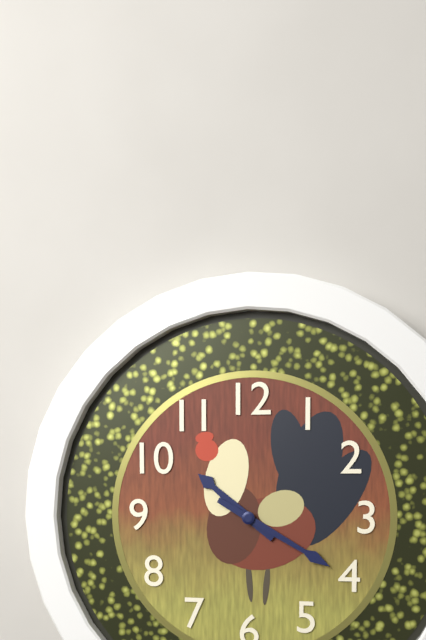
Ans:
**10:20**
